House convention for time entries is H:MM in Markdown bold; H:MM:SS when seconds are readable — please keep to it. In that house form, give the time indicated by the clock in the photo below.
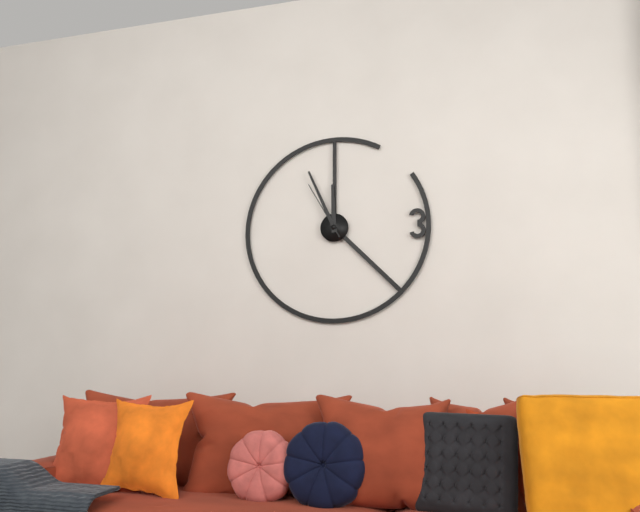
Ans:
**11:56:55**
